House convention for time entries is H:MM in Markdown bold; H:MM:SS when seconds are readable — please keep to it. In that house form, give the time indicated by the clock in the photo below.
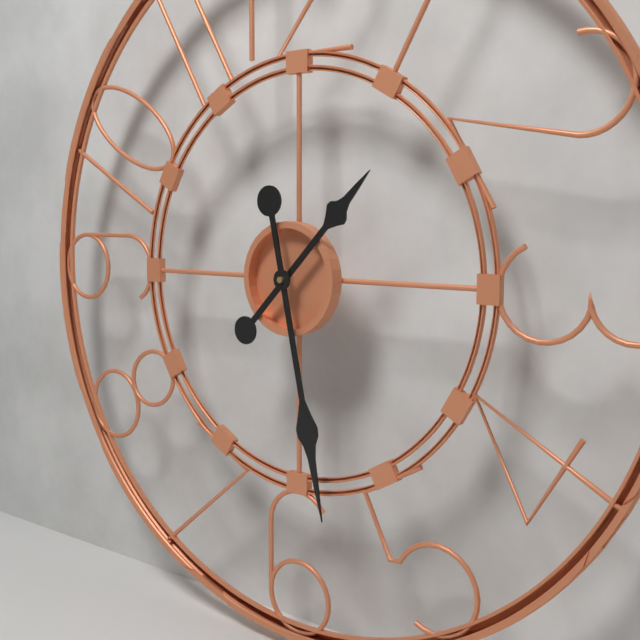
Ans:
**1:28**
